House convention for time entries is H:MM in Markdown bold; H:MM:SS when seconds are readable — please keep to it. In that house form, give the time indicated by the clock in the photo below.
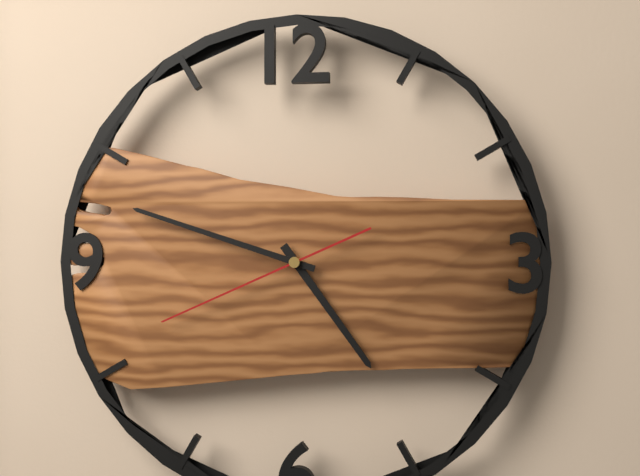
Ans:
**4:48:41**
